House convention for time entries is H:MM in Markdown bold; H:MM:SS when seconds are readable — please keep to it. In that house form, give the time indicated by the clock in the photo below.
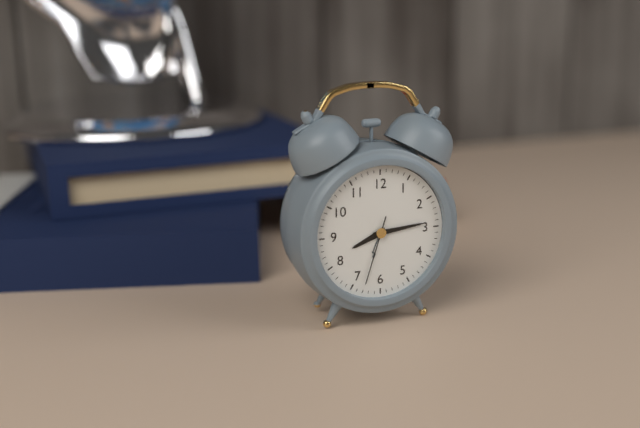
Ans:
**8:14:33**
